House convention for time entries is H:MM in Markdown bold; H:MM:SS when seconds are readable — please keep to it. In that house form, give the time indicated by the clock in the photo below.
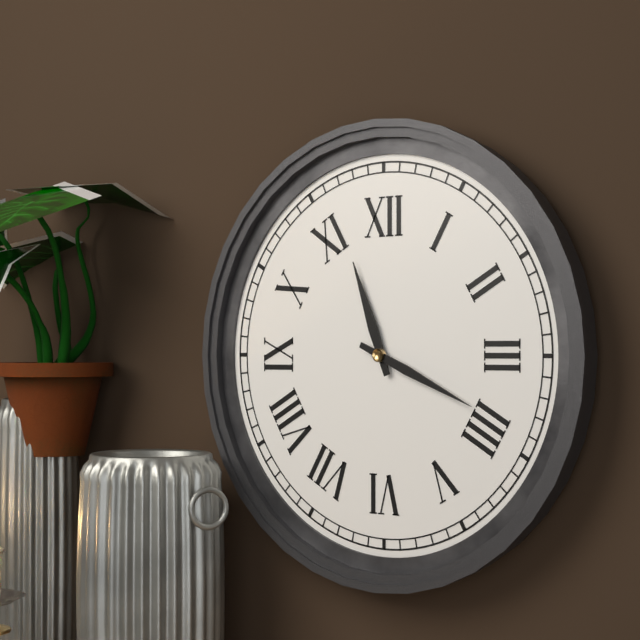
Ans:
**11:19**
